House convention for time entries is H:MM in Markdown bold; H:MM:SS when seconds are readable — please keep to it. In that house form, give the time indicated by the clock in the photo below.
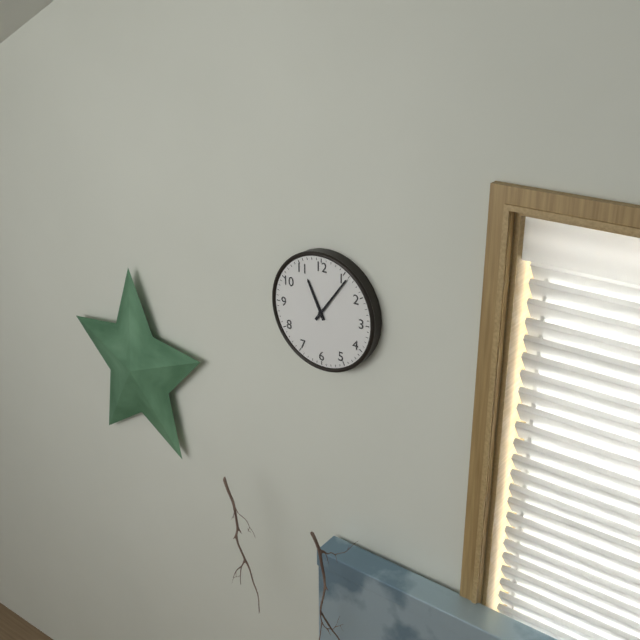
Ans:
**11:06**
